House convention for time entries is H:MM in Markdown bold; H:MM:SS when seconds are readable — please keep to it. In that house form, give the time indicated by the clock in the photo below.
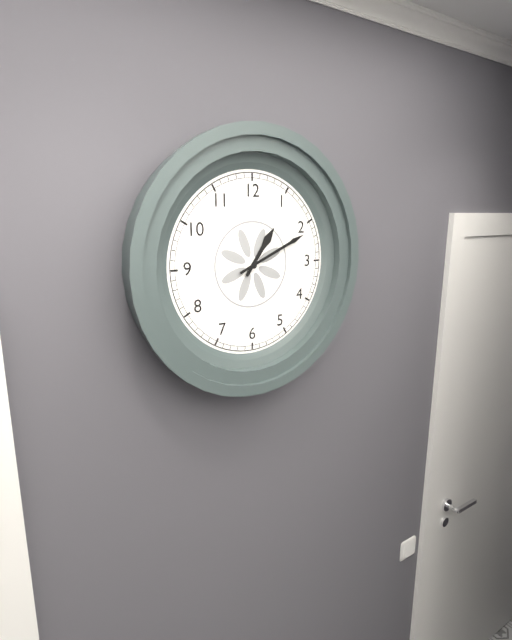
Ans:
**1:11**
